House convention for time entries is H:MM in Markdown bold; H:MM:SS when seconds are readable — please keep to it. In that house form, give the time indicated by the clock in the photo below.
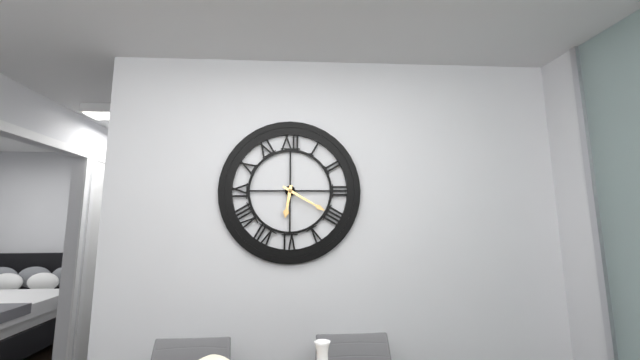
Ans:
**6:20**
